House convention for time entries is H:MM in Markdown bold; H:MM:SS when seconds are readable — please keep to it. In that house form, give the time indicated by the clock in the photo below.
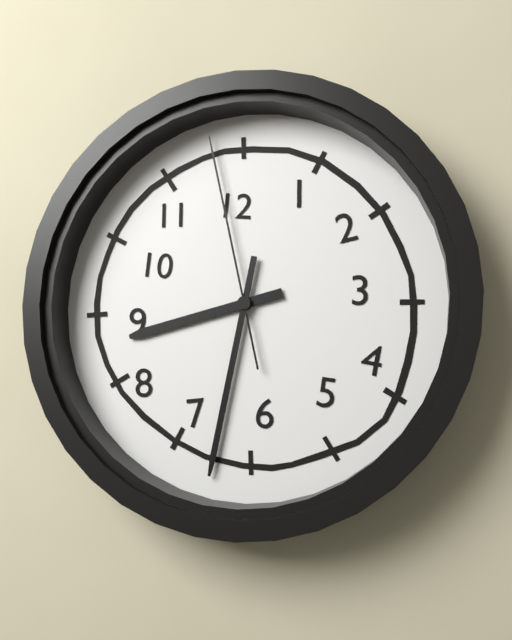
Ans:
**8:32:58**
